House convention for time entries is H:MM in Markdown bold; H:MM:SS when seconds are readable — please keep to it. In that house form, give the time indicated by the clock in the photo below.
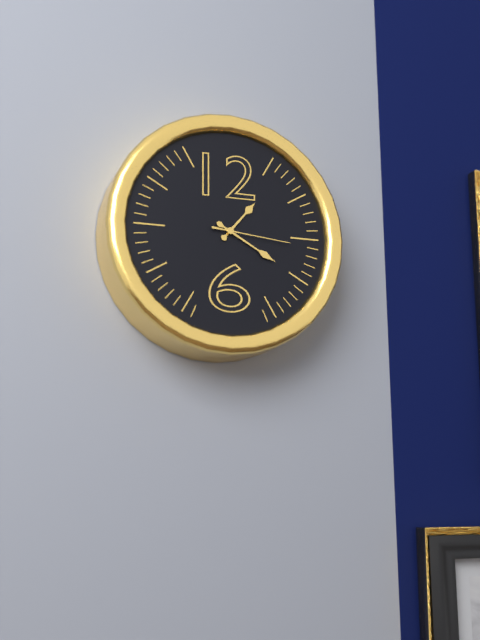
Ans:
**1:20:16**
